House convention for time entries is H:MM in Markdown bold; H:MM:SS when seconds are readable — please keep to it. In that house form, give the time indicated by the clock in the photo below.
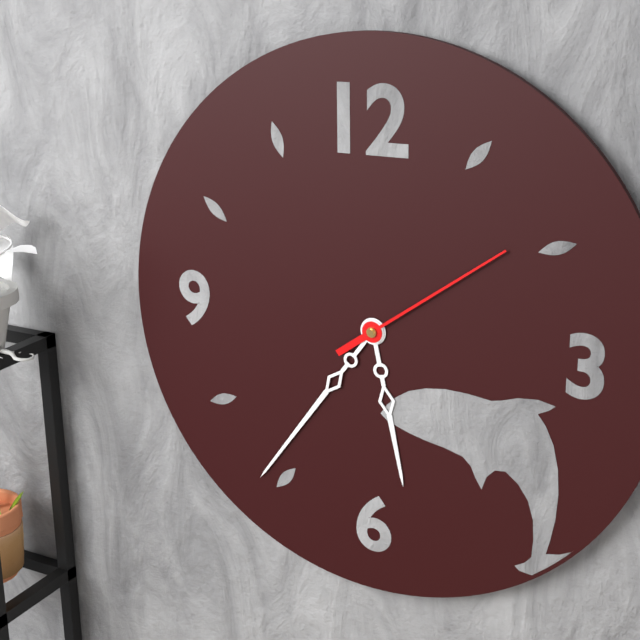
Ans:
**5:36:09**
